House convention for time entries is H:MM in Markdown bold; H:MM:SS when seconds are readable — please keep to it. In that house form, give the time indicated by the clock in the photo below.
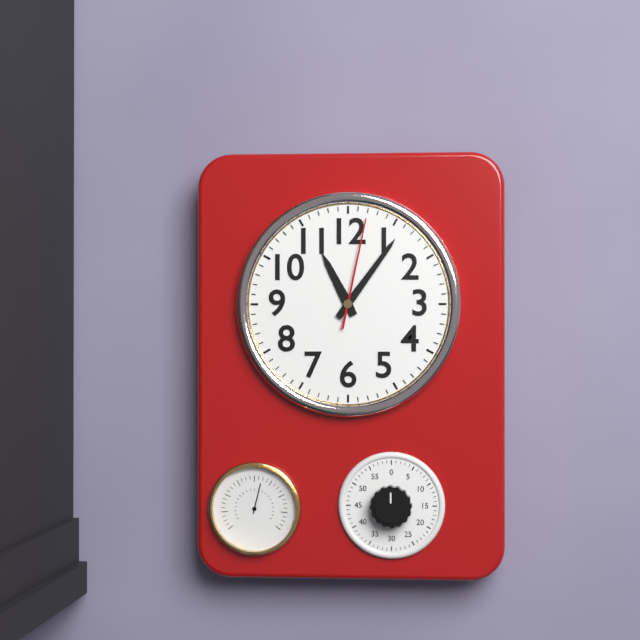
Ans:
**11:06:02**
